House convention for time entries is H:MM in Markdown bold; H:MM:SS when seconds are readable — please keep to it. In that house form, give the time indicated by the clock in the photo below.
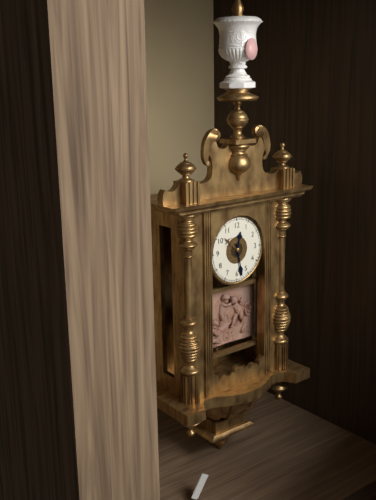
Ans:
**12:28**
